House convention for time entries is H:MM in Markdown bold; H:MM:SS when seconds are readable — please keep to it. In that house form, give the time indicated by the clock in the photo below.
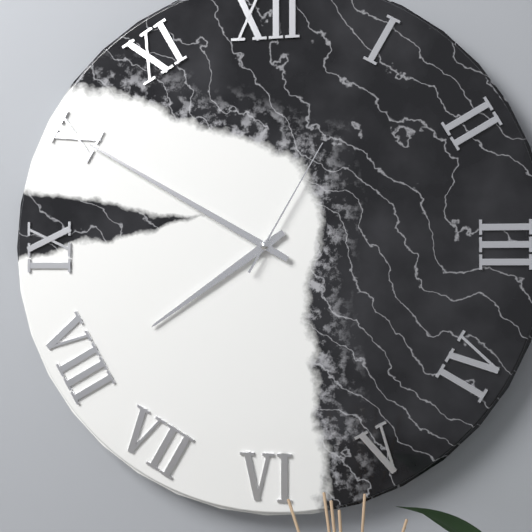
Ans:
**7:50:05**
